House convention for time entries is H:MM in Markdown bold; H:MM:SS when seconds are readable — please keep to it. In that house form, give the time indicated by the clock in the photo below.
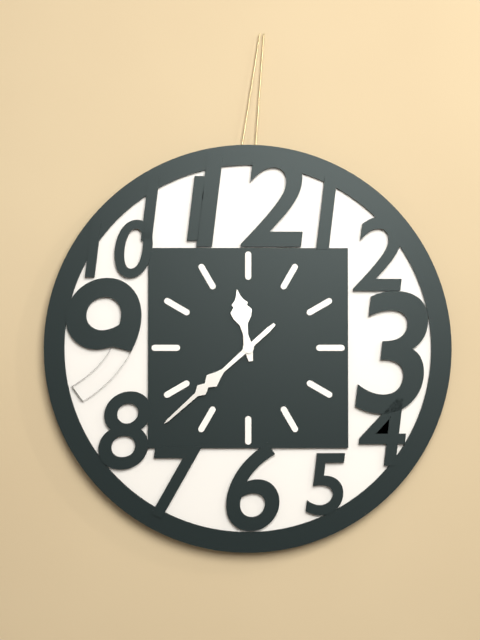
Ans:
**11:38**
